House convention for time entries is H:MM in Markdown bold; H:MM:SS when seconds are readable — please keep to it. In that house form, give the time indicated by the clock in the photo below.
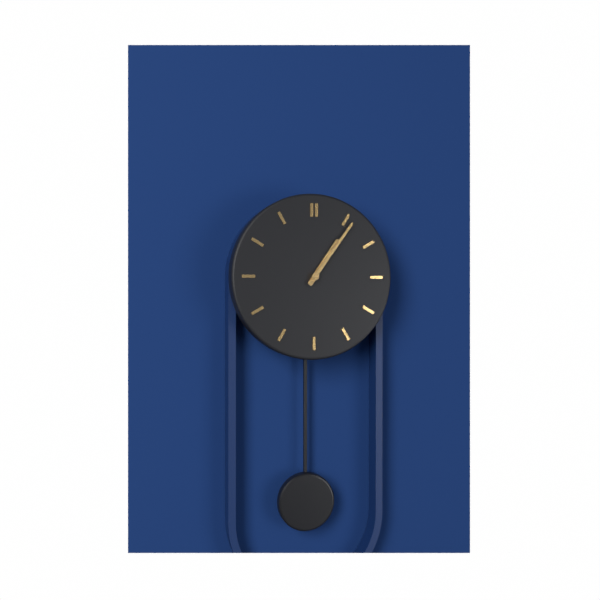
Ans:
**1:06**
